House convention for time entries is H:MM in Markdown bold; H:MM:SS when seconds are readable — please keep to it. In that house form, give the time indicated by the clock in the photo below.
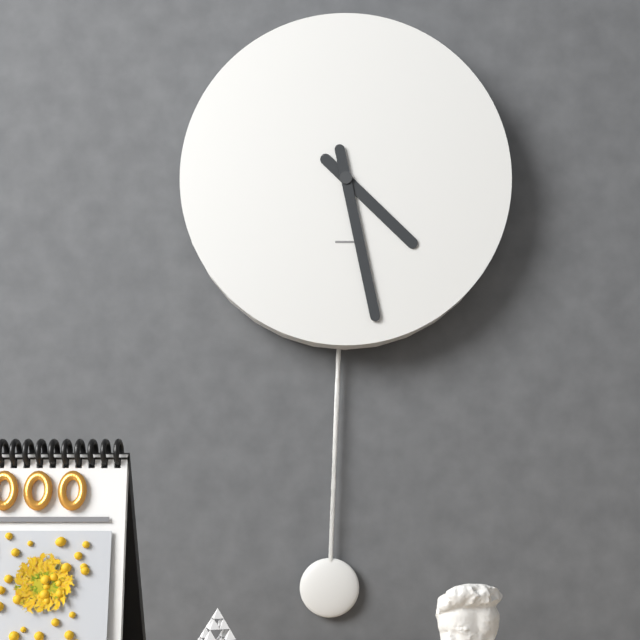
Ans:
**4:28**
